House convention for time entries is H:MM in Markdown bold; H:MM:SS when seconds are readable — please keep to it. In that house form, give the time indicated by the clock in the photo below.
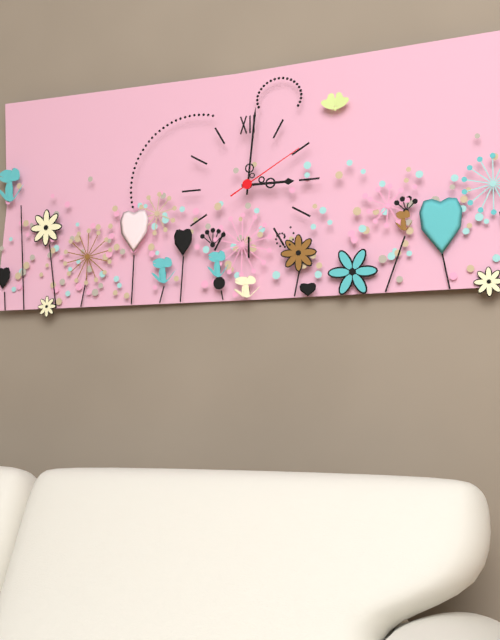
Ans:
**3:01:10**
